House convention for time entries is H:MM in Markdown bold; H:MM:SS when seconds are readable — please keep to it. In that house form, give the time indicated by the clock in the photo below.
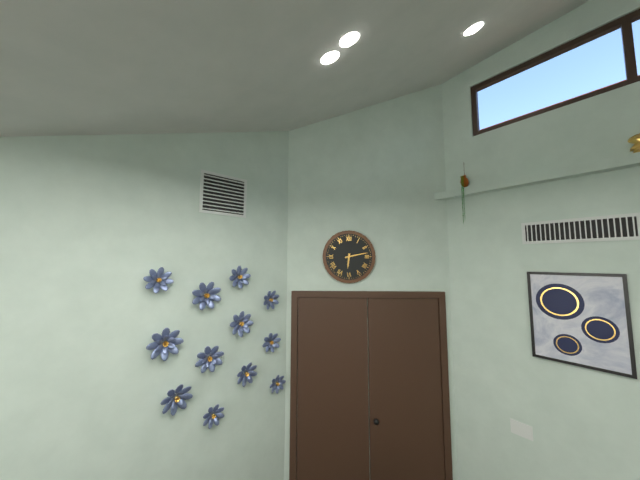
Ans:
**6:13**
